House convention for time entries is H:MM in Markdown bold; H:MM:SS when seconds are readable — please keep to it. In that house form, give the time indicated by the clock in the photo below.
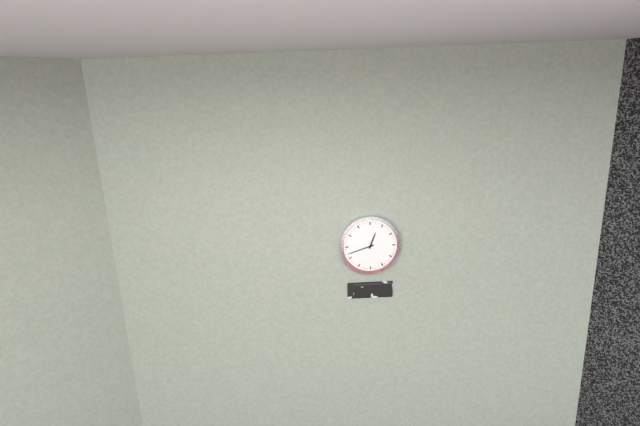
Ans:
**12:42**
